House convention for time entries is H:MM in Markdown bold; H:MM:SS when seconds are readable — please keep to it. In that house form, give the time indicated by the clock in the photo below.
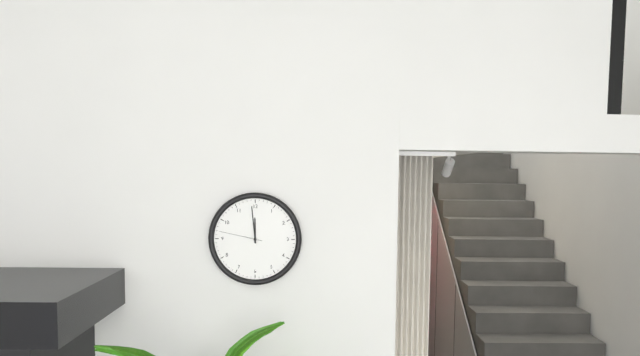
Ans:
**11:59**
